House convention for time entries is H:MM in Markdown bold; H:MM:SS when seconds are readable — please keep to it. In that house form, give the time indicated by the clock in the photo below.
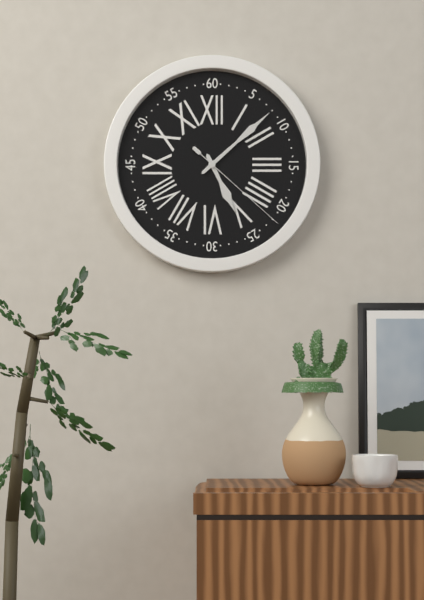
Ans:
**5:08:22**
